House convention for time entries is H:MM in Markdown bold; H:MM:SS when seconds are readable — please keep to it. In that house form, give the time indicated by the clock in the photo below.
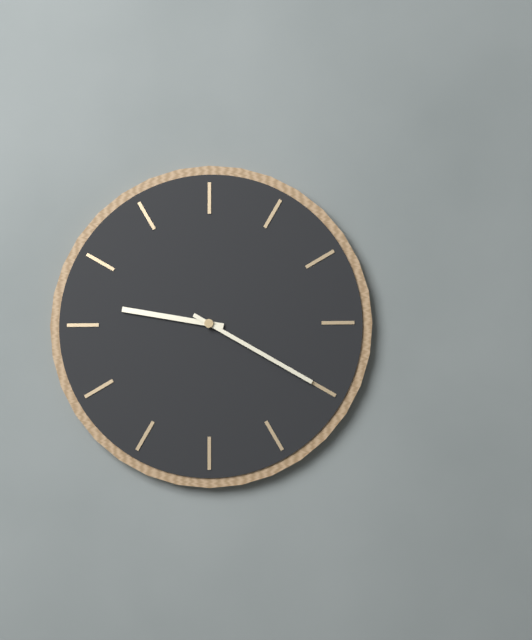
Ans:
**9:20**
